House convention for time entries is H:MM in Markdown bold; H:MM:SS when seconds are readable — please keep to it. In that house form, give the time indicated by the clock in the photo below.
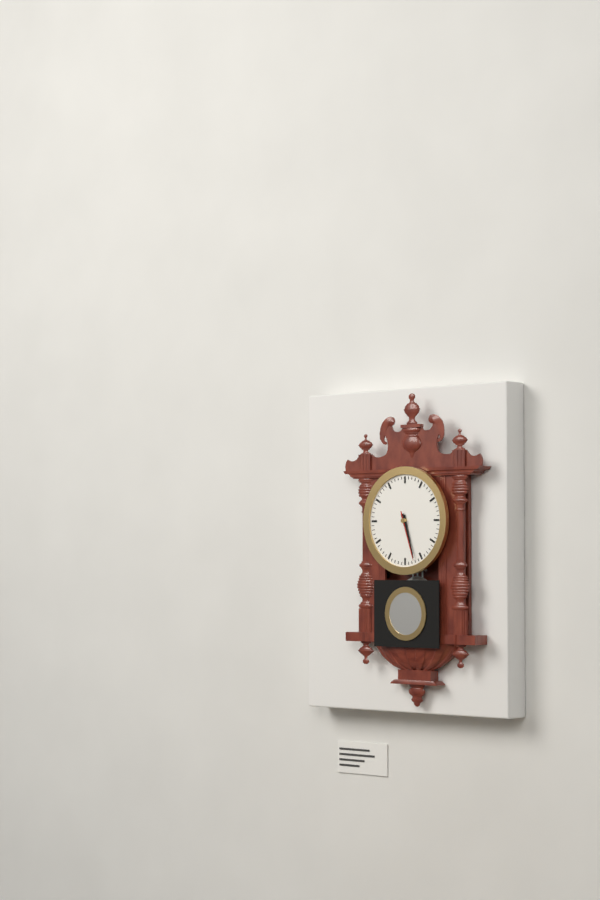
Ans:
**5:27:27**
